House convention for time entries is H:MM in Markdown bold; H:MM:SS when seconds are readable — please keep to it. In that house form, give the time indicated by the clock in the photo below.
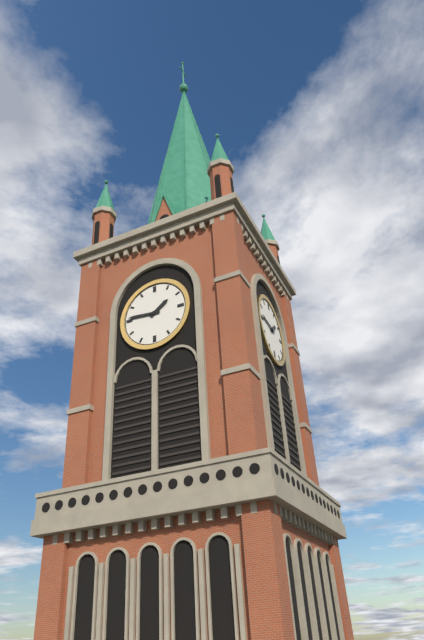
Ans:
**1:46**
